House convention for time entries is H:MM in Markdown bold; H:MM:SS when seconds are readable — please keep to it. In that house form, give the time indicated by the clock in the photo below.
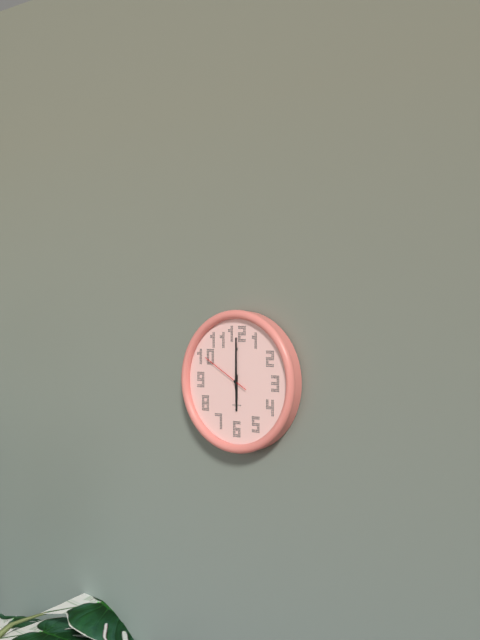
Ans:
**6:00**
